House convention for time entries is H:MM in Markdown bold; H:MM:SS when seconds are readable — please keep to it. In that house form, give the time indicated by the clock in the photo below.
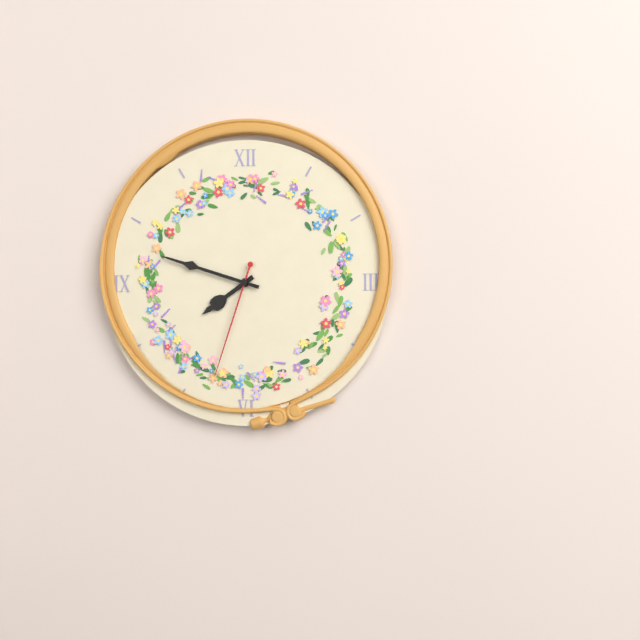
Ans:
**7:48:33**
